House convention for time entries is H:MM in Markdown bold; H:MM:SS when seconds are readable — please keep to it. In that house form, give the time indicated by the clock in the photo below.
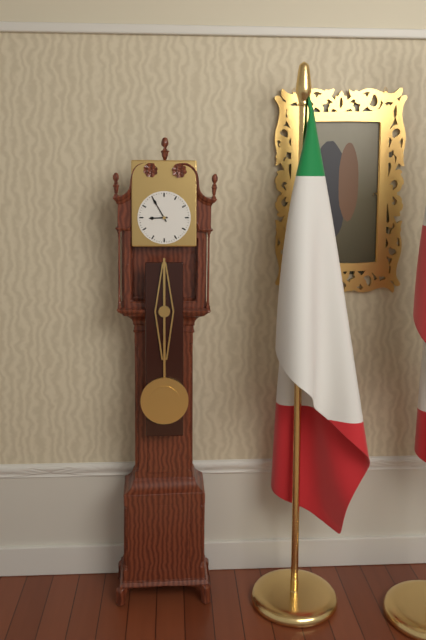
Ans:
**8:55**
